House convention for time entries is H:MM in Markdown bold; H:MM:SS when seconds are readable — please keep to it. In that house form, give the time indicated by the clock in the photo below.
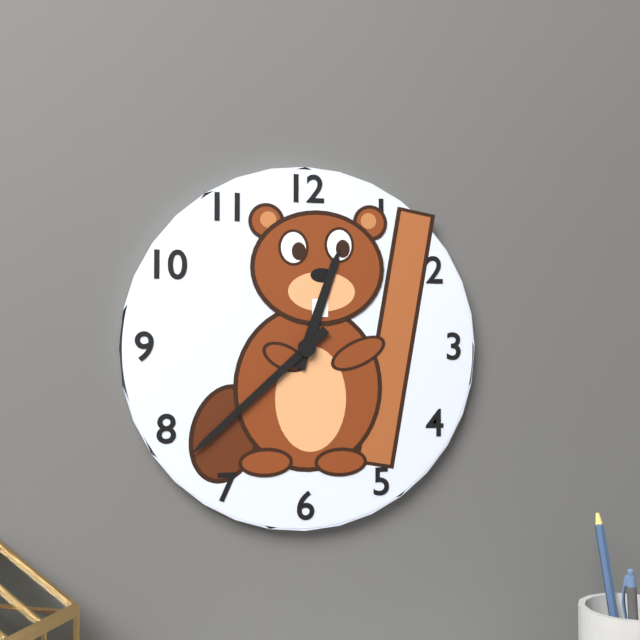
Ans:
**12:38**
